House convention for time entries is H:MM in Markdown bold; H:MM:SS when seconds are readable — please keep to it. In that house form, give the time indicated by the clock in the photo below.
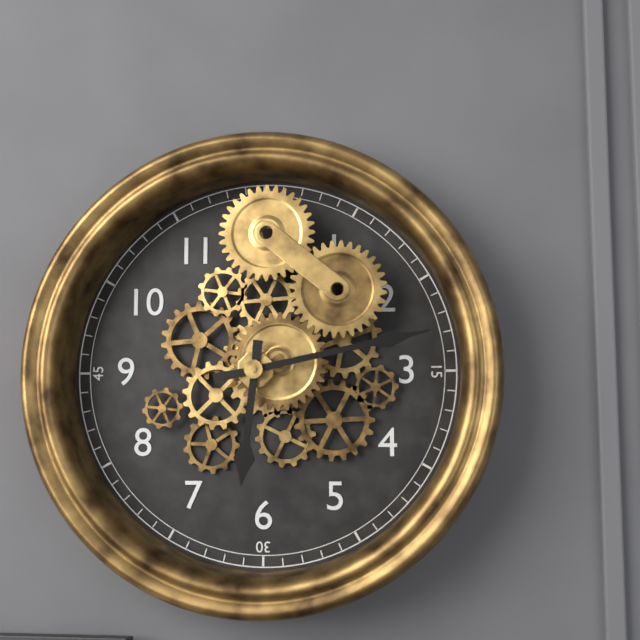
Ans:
**6:13**
